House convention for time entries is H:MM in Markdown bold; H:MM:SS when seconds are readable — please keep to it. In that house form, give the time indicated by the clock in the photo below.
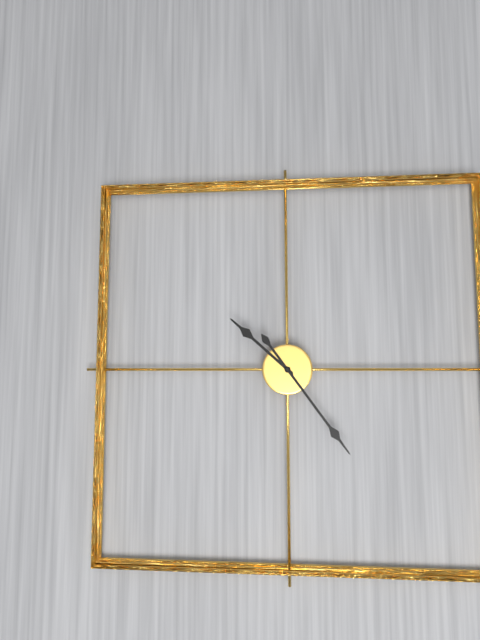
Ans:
**10:24**
